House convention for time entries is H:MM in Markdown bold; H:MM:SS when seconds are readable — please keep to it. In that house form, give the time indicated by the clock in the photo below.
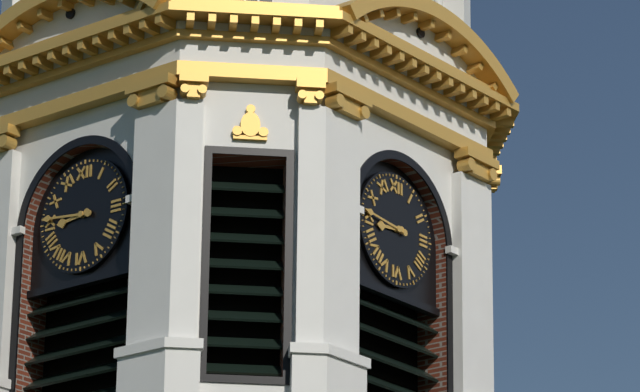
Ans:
**8:46**
